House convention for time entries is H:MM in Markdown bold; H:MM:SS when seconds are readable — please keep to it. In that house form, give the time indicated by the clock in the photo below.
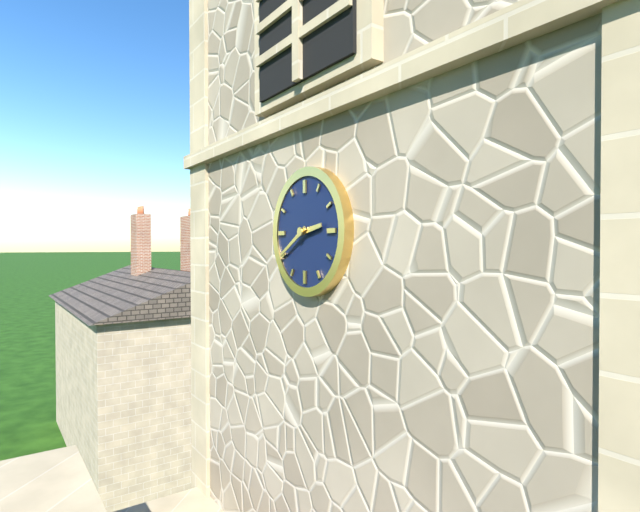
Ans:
**2:40**
